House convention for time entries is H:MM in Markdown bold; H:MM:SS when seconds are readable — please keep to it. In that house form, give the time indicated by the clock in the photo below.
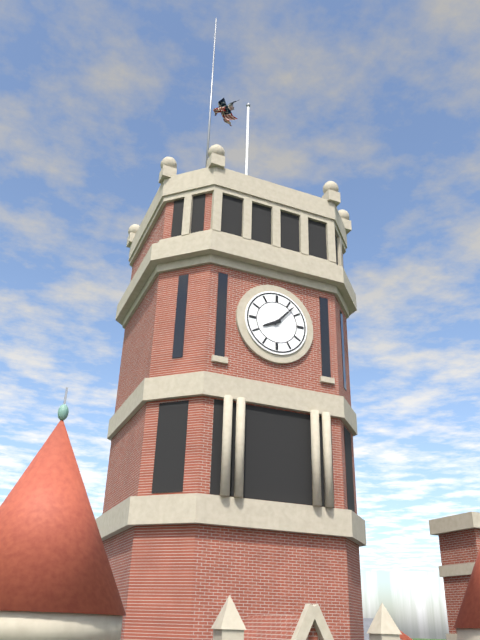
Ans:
**8:07**
